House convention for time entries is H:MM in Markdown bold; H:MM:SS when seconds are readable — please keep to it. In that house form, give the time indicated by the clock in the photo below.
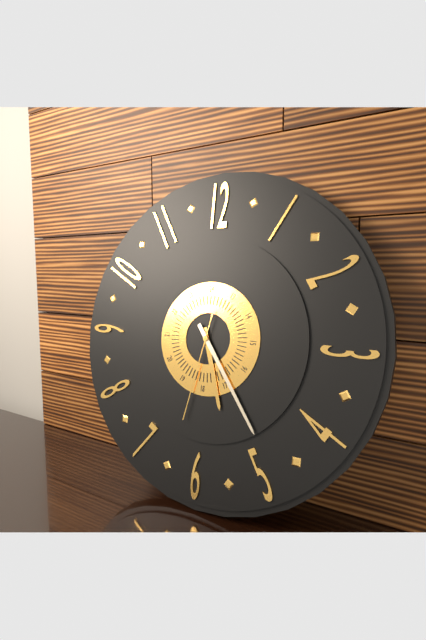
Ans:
**5:24:32**
